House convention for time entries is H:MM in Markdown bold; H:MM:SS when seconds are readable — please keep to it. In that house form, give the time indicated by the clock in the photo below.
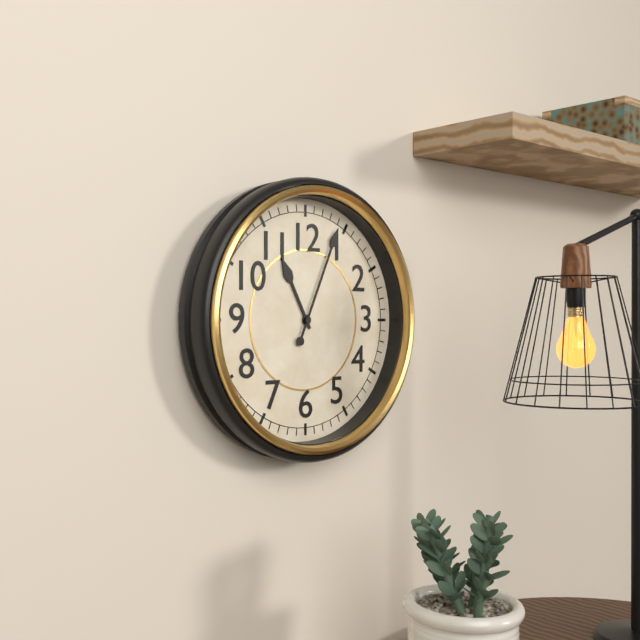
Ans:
**11:04**
